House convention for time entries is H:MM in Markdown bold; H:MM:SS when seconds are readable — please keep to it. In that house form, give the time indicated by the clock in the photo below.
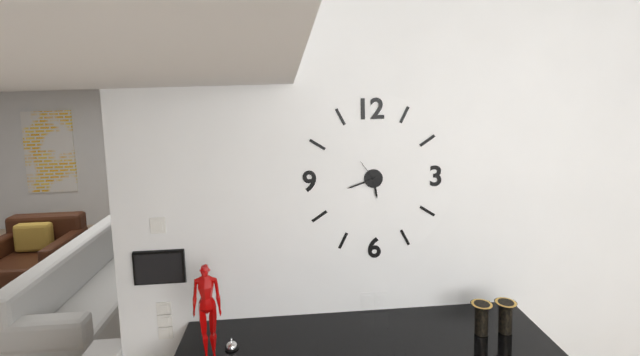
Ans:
**5:42**
